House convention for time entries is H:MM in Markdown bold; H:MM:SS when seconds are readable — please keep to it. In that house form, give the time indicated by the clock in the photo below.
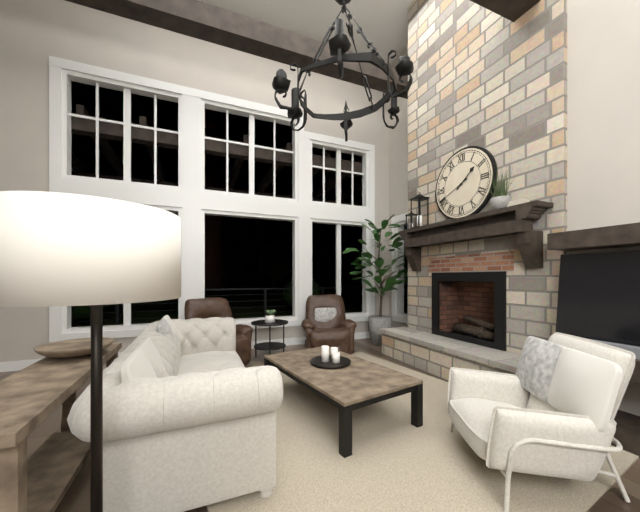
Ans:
**1:41**
